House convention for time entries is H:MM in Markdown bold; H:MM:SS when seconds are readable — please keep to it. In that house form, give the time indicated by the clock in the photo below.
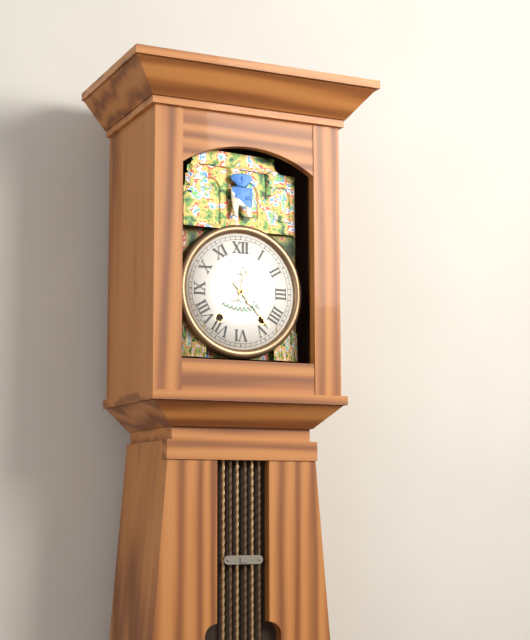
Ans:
**12:23**
